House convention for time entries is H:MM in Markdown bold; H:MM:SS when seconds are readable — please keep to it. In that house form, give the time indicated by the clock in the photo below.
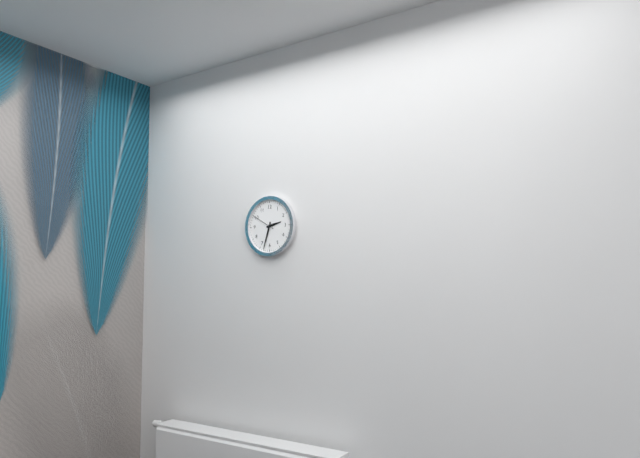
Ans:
**2:33**
